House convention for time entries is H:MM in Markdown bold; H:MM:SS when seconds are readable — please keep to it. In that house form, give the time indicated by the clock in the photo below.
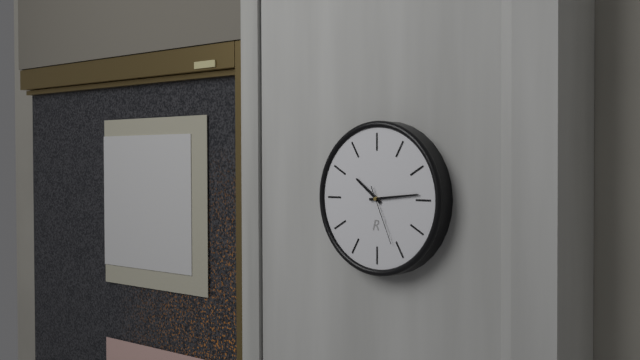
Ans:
**10:14:26**
